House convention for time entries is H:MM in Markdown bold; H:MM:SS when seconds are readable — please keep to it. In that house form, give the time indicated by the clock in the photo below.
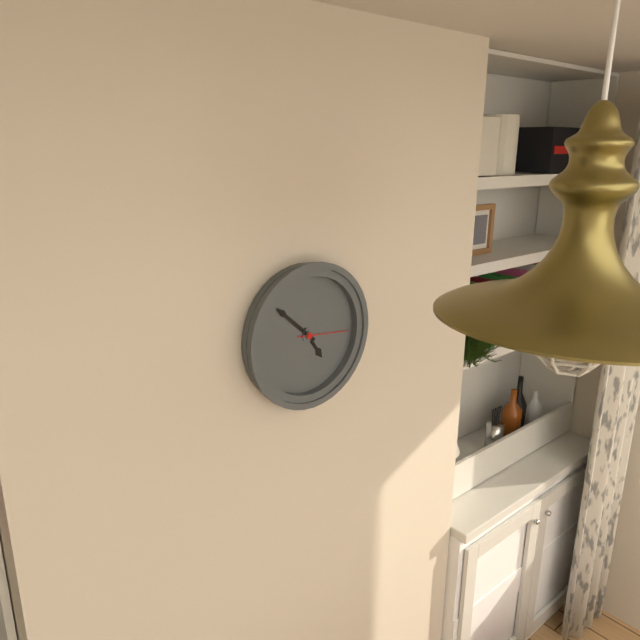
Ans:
**4:52:16**
